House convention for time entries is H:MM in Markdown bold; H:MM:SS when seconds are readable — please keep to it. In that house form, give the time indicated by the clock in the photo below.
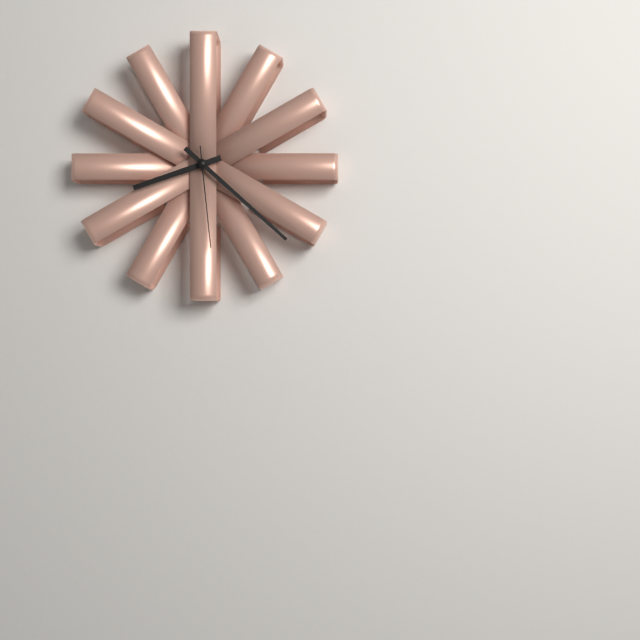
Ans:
**8:22:29**
